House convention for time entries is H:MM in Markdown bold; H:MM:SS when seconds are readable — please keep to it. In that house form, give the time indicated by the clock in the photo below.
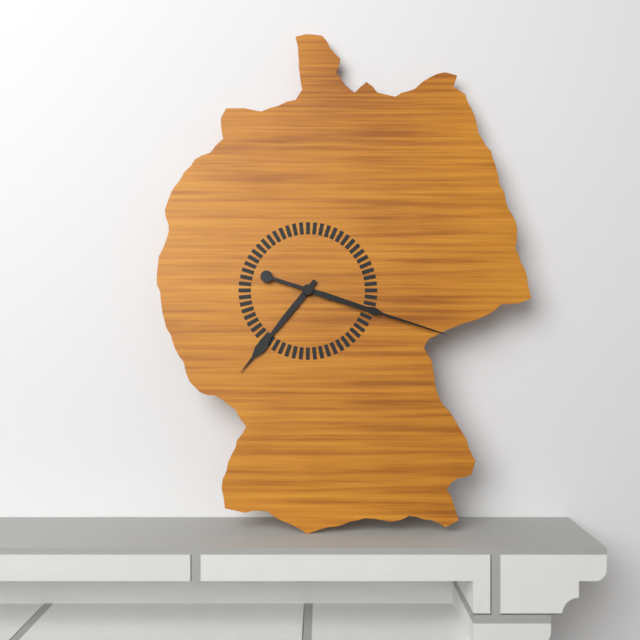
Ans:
**7:18**
